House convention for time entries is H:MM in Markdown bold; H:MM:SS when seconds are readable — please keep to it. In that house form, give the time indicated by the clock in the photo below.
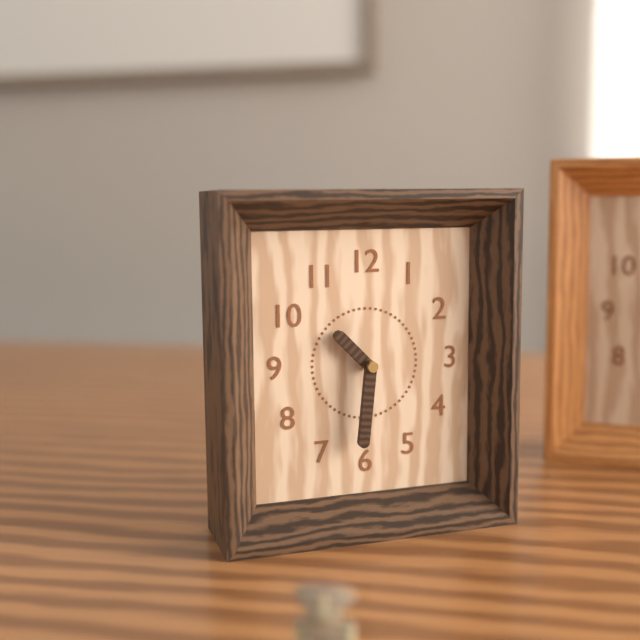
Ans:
**10:31**
